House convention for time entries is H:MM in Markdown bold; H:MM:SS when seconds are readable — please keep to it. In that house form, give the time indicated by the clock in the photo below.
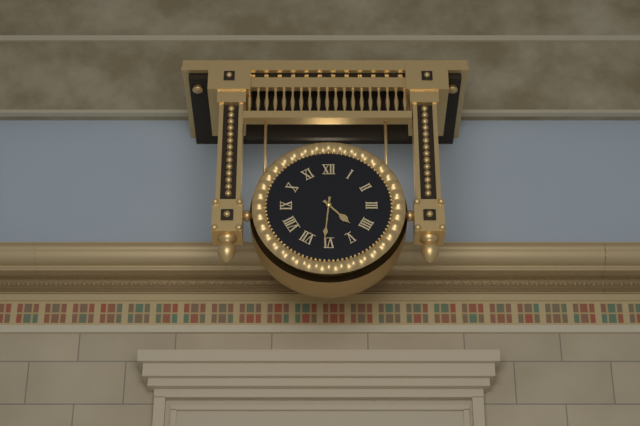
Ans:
**4:31**
